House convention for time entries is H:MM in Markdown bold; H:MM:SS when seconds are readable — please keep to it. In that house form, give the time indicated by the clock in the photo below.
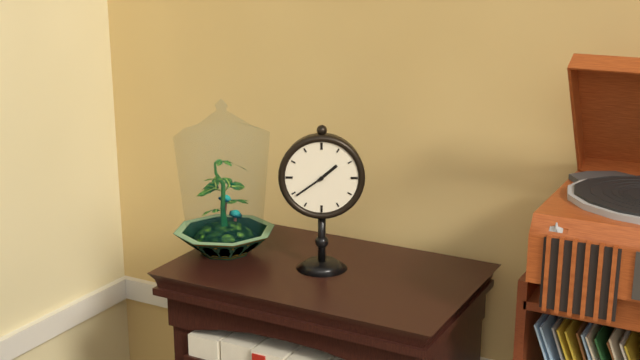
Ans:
**1:39**
